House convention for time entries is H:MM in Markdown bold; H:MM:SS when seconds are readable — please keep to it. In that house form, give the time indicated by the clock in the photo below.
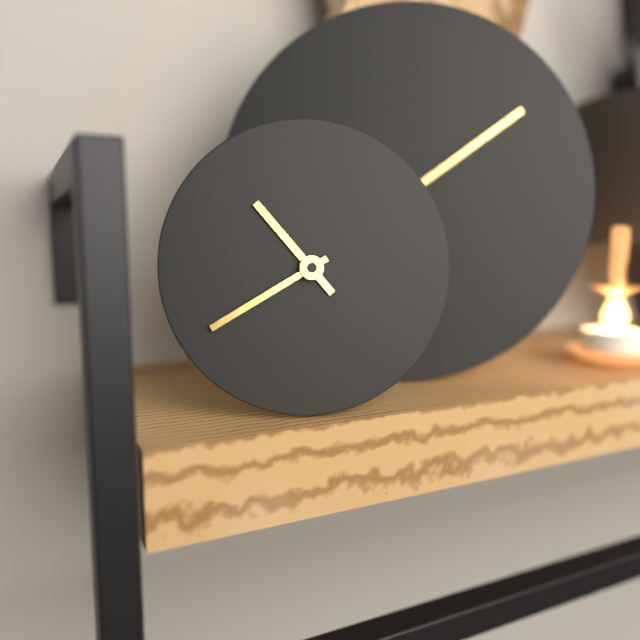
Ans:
**10:40**
